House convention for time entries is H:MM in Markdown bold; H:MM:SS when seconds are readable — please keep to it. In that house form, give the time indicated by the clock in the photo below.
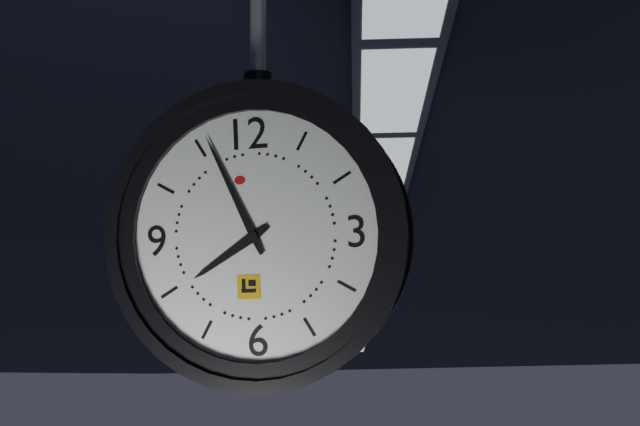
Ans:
**7:56**
